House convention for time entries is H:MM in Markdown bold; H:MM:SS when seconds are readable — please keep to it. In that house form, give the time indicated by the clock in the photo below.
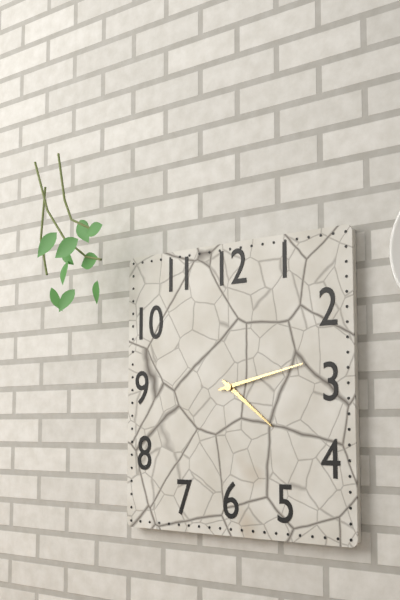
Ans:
**4:13**
